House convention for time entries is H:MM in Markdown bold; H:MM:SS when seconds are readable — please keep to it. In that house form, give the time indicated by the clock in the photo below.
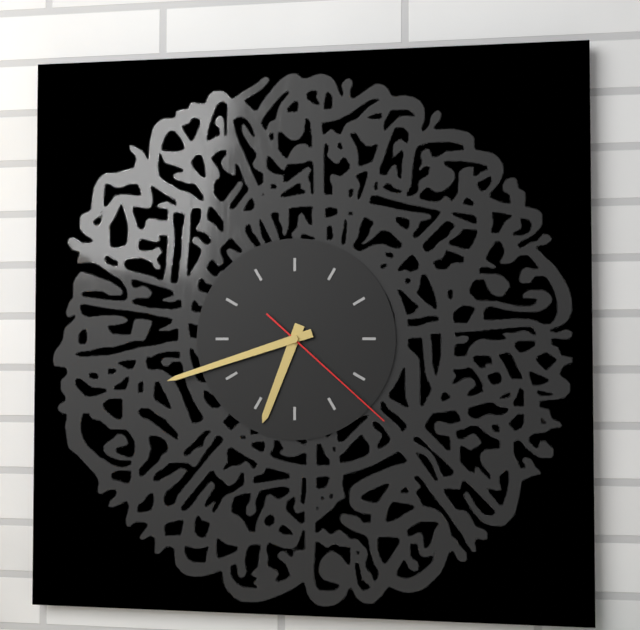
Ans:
**6:42:22**
